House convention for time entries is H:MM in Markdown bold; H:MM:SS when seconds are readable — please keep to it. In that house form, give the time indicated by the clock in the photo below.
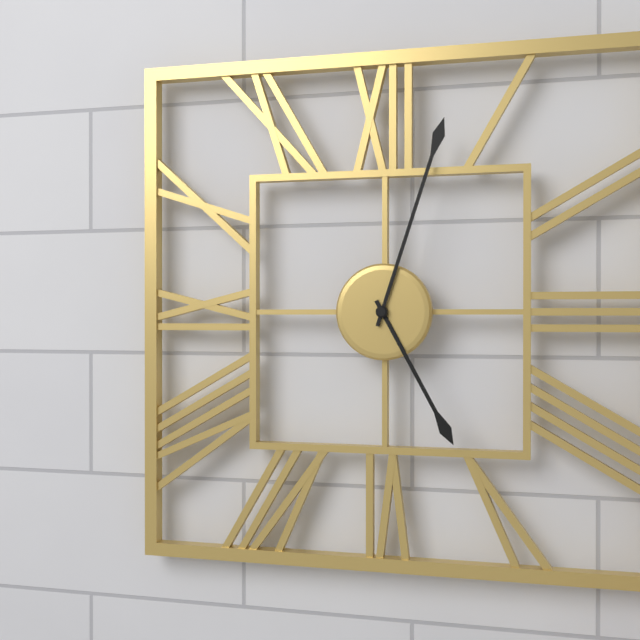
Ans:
**5:03**
